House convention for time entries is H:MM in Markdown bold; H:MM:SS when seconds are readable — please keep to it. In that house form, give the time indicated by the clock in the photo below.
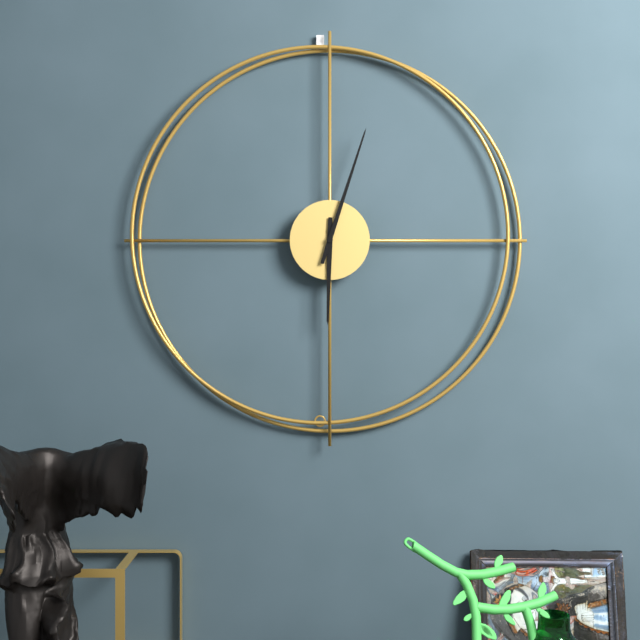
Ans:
**6:03**
